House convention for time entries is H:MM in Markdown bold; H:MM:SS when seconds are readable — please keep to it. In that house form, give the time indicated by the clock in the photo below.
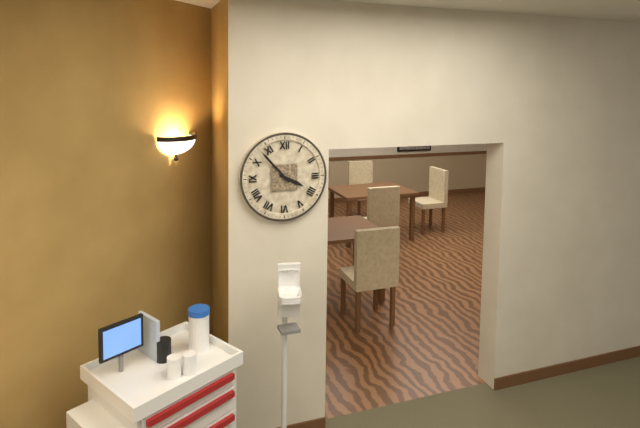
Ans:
**3:53**
